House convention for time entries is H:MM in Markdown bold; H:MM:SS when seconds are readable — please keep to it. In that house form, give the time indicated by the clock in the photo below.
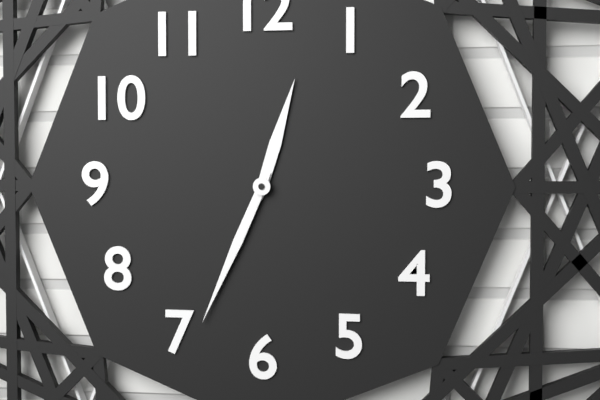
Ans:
**12:34**
